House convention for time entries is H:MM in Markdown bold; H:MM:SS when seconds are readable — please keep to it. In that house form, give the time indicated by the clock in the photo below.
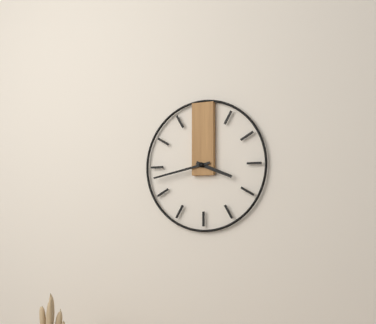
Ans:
**3:43**
